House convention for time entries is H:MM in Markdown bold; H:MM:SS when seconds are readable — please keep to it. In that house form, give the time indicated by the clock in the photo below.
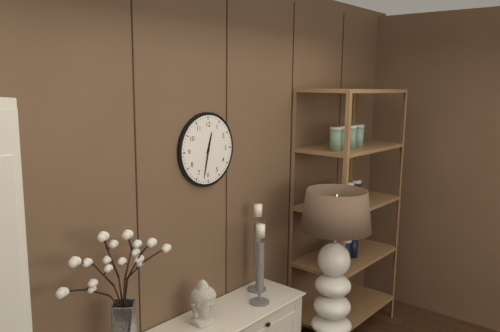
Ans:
**12:32**
